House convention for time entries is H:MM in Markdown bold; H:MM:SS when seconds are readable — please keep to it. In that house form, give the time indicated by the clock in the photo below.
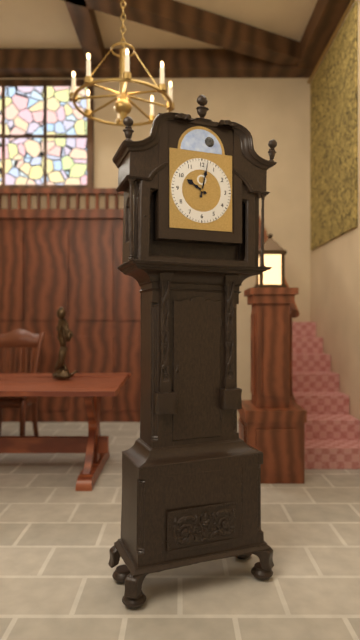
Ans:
**10:02**
